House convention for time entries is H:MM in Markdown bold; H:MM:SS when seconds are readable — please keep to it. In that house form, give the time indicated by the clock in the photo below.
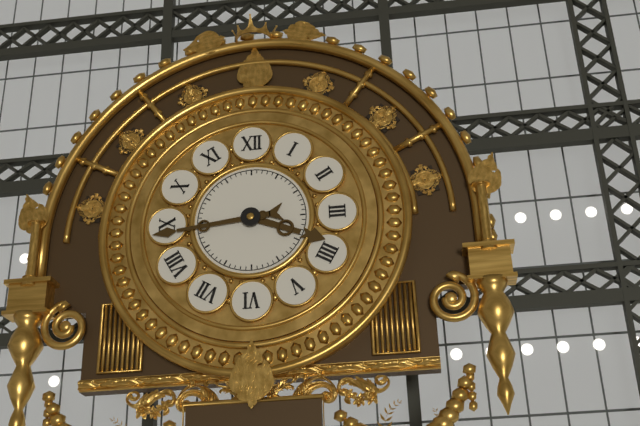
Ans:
**3:44**
